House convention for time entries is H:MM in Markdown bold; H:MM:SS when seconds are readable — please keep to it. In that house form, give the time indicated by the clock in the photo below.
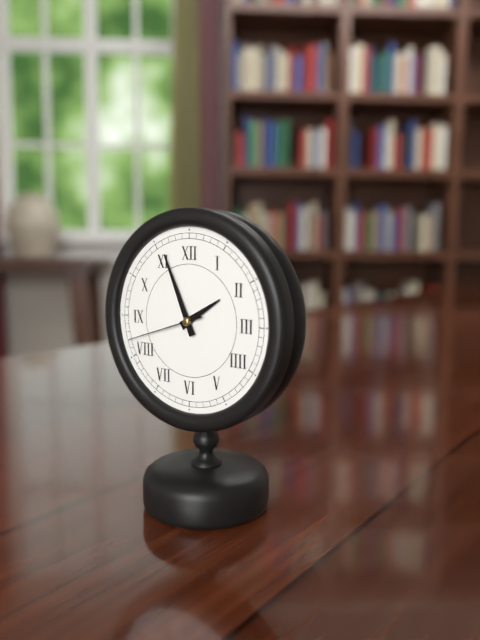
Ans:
**1:56:42**
